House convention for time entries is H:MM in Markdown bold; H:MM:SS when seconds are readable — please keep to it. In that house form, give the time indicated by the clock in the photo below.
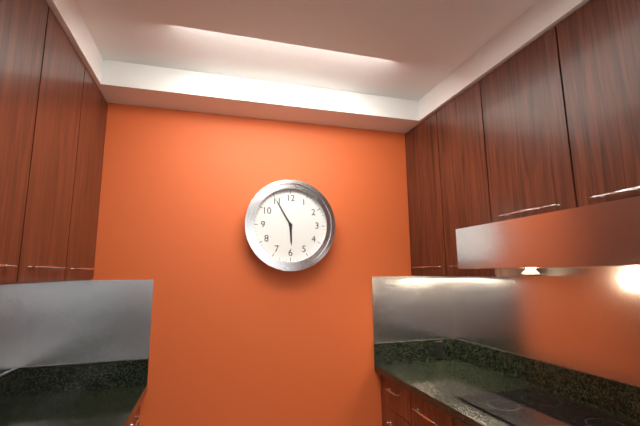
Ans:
**5:55**
